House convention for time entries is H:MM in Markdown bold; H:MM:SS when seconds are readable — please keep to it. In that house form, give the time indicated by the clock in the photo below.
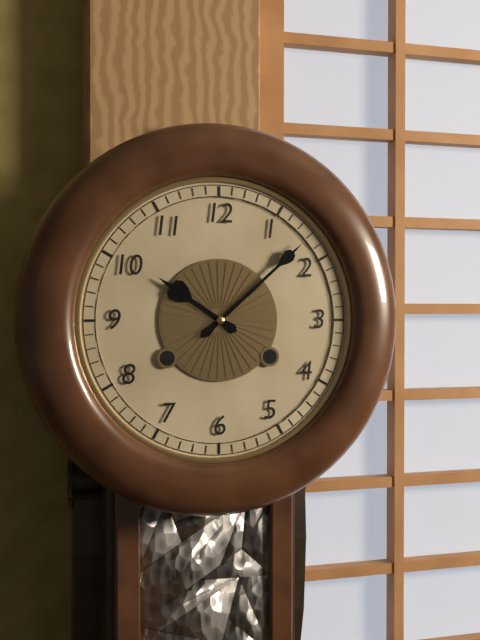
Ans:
**10:08**
